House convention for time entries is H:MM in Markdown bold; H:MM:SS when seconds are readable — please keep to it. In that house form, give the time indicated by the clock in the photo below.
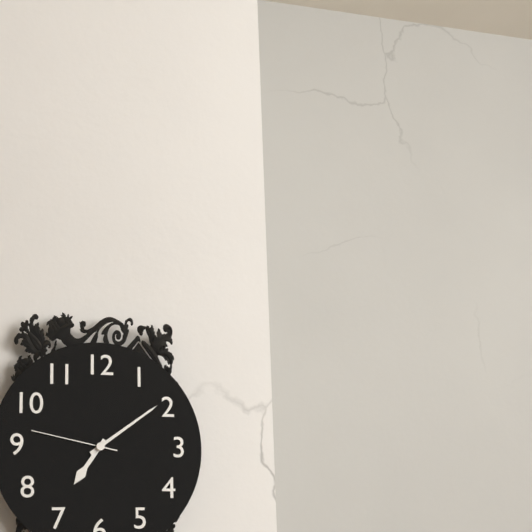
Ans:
**7:09:47**
